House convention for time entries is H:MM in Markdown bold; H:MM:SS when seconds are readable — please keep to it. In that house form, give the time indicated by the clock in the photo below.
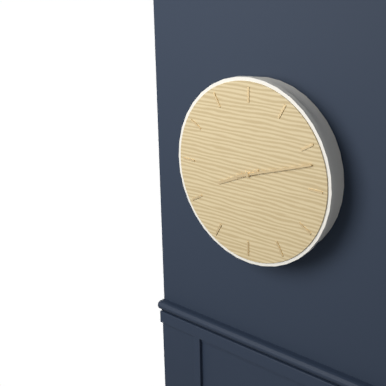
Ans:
**8:12**
